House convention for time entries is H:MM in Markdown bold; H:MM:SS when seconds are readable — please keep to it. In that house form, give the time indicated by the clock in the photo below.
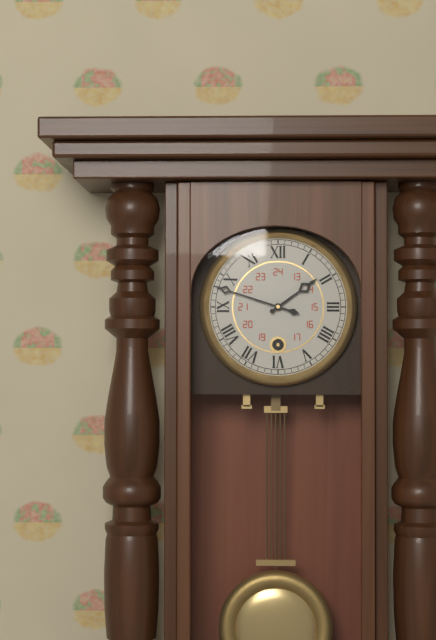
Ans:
**1:48**
